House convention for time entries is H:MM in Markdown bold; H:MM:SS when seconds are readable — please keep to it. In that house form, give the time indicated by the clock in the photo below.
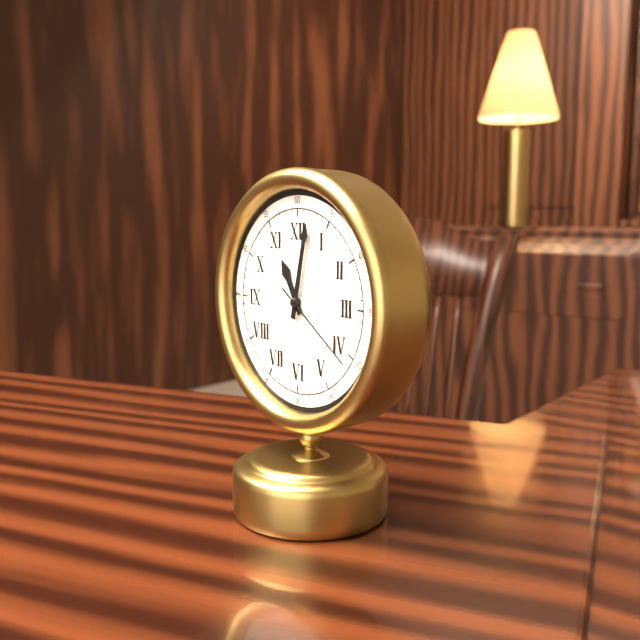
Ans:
**11:02:21**
